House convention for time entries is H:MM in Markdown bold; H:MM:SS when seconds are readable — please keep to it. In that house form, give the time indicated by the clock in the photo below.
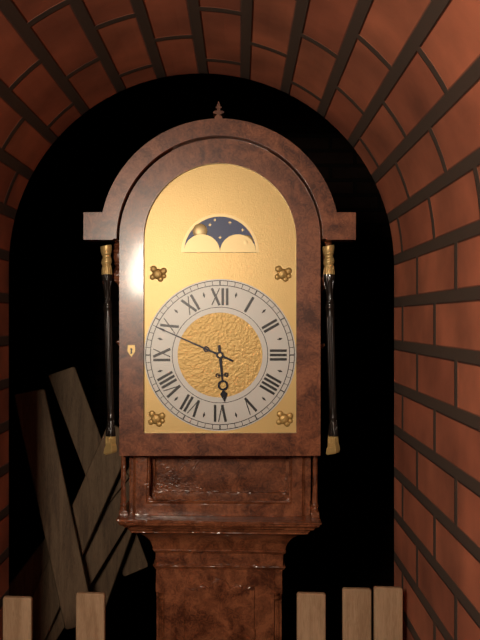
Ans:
**5:49**
